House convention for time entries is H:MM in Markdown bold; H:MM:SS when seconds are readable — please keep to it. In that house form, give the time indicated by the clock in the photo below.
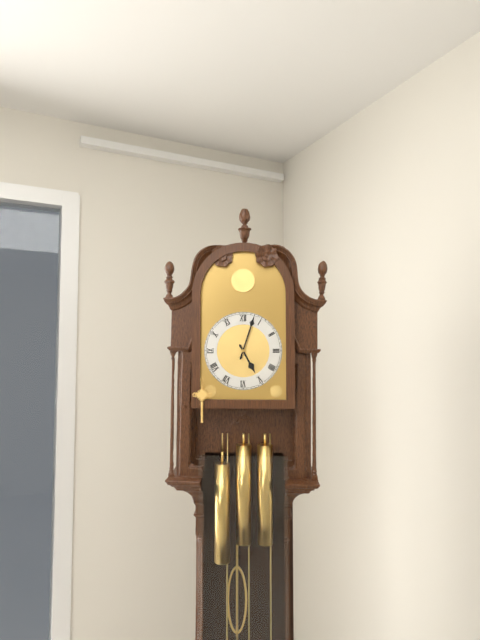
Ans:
**5:03**
